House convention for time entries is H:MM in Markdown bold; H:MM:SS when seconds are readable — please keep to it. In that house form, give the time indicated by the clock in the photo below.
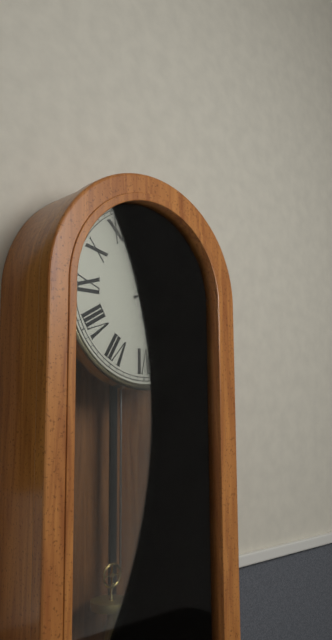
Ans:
**3:11**
